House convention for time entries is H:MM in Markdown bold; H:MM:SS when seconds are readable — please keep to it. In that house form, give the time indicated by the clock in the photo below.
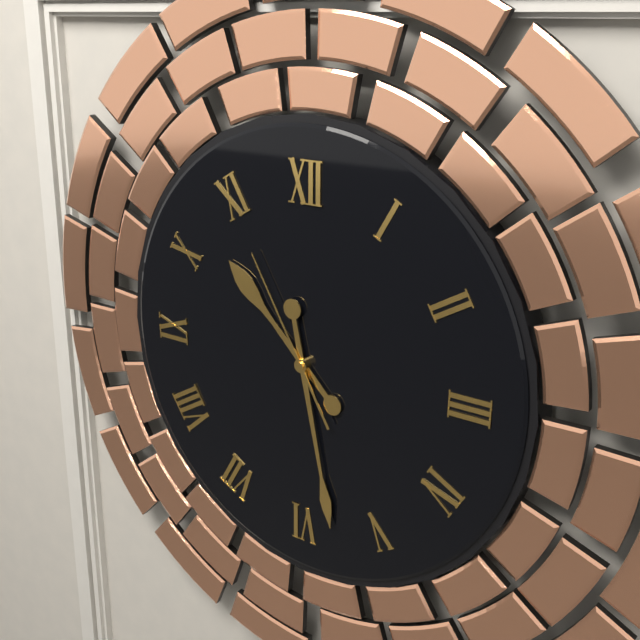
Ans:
**10:28:55**
